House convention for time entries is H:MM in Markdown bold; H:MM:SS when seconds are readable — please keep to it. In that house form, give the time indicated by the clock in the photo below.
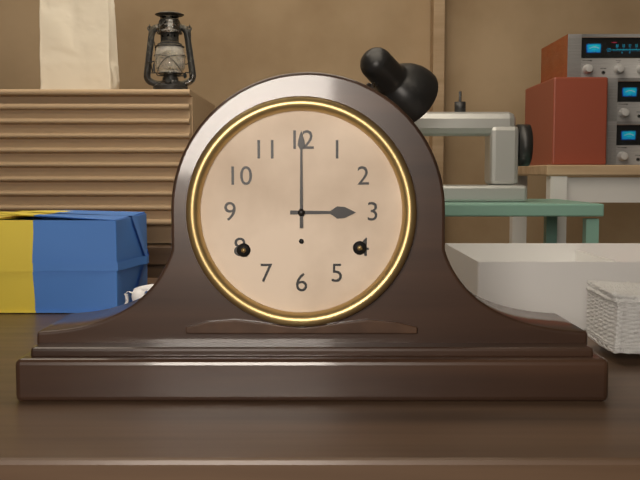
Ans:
**3:00**
